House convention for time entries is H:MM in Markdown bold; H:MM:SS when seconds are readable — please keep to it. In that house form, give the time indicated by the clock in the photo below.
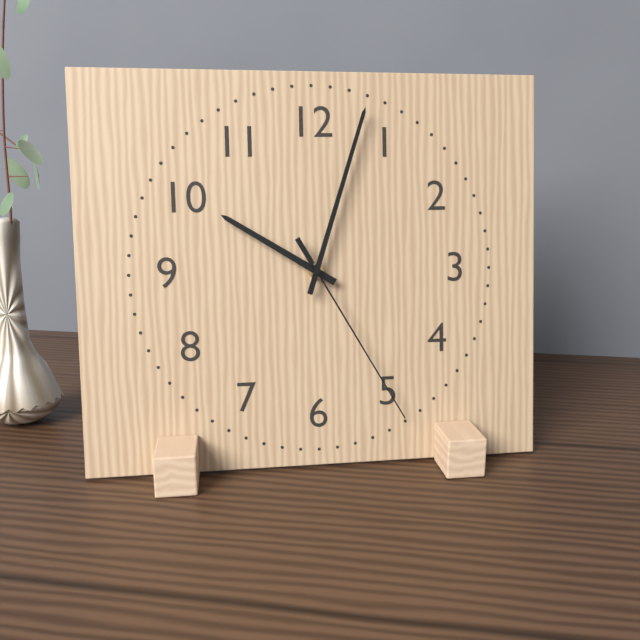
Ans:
**10:03:25**
